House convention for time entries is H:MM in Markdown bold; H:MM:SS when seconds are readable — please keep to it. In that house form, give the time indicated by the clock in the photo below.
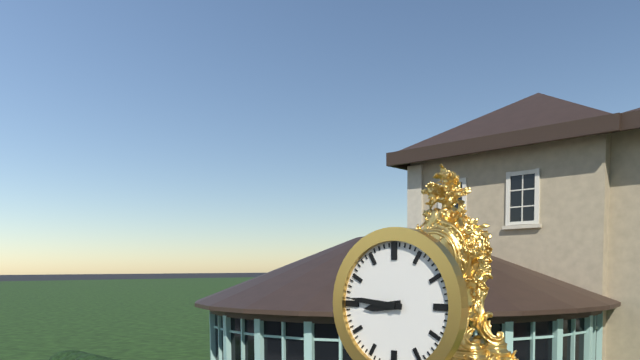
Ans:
**8:46**
